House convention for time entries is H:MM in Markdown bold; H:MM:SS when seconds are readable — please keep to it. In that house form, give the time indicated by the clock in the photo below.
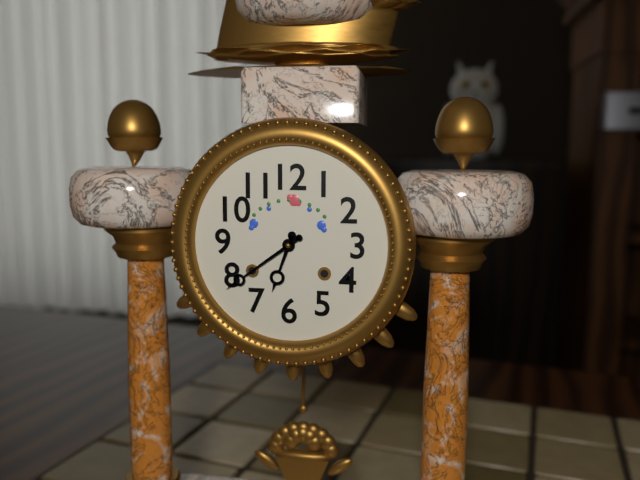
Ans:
**6:39**
